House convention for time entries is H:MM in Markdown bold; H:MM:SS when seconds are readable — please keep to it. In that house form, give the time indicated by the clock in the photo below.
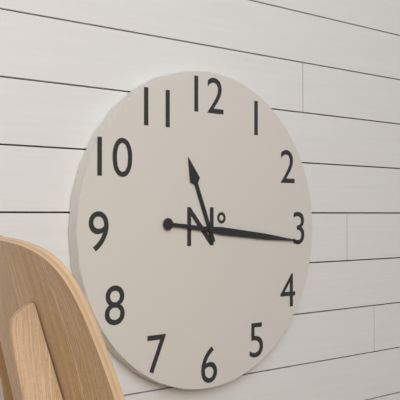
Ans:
**11:16**
